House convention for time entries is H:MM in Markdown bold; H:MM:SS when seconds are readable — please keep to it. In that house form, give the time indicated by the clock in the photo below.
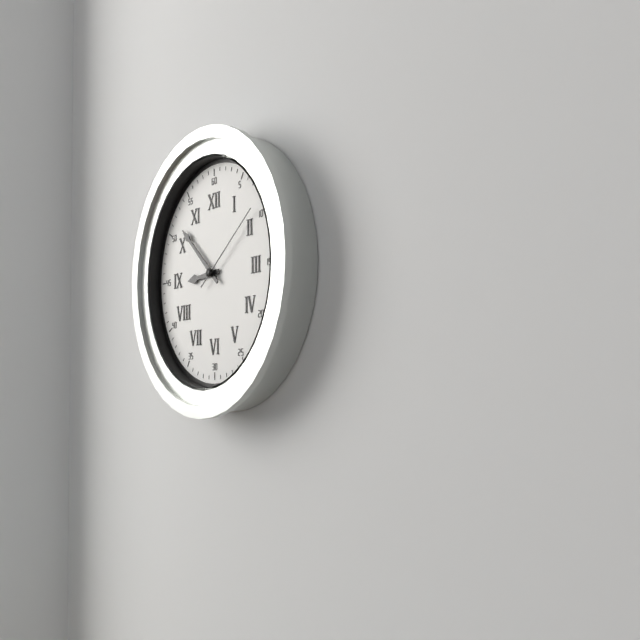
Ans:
**8:52:09**
